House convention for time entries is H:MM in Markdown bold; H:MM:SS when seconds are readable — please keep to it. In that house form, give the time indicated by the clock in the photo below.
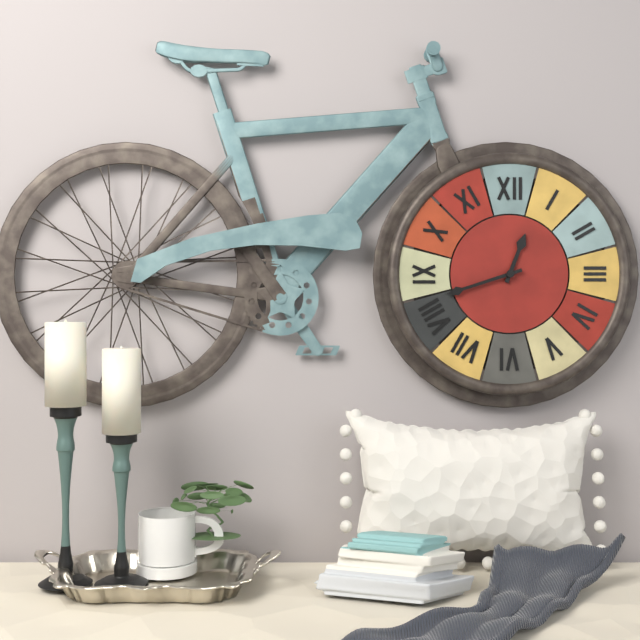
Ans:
**12:42**
